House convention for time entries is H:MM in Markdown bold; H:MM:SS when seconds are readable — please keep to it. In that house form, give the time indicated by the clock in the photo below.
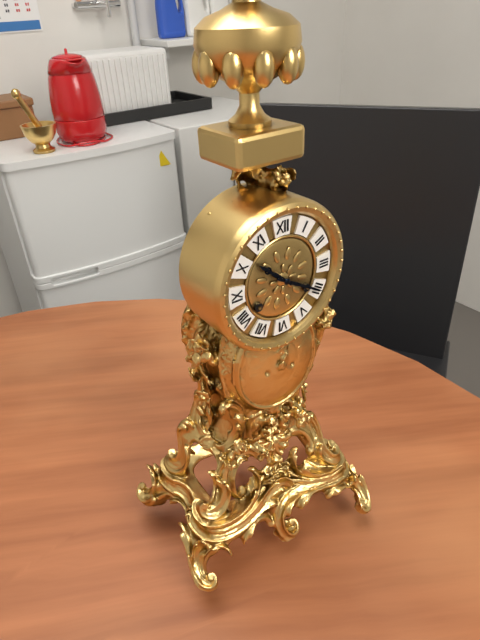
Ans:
**10:20**
